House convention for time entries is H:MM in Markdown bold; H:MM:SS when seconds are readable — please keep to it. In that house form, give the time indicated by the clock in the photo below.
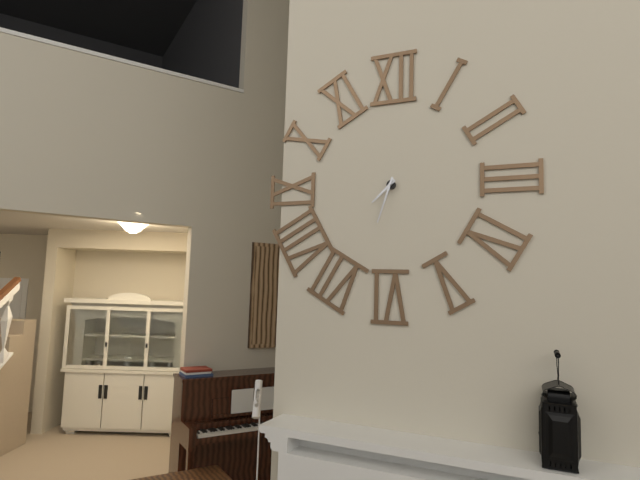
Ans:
**7:33**
